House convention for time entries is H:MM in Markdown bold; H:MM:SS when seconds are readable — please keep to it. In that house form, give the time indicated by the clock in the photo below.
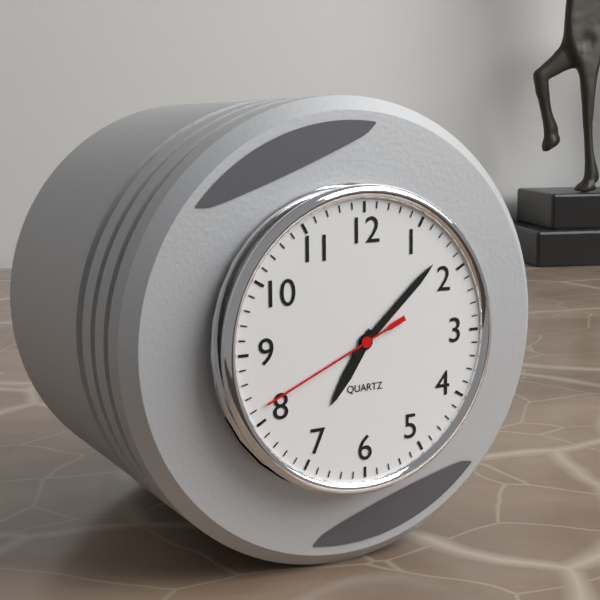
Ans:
**7:08:41**
